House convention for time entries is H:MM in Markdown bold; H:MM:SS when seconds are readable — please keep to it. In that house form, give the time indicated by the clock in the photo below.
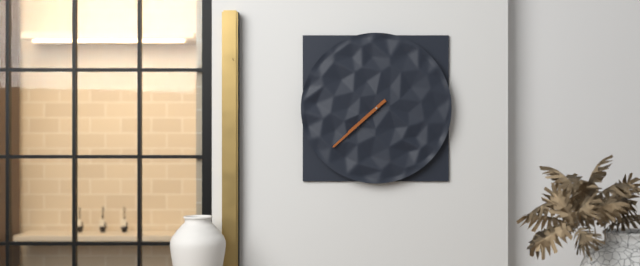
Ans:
**7:38**
